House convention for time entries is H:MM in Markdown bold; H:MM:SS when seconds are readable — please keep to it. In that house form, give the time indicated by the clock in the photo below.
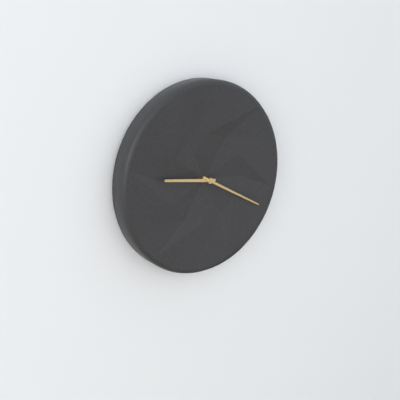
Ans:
**9:20**
